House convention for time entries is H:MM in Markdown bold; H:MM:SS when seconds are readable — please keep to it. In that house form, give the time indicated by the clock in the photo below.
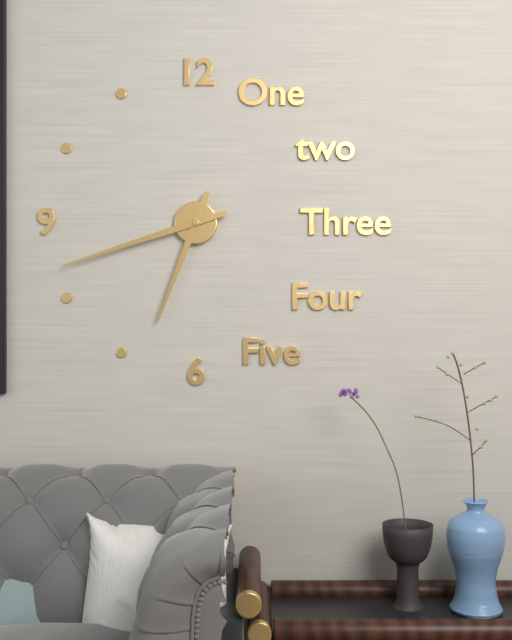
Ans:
**6:42**
